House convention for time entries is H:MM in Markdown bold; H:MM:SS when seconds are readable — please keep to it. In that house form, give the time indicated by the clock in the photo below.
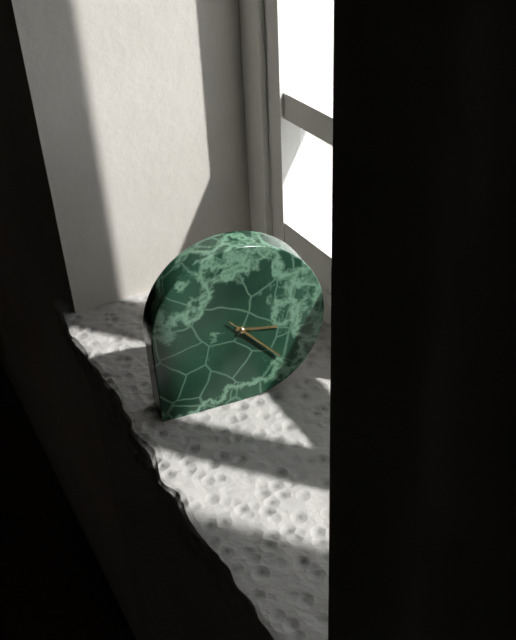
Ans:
**3:23:23**
